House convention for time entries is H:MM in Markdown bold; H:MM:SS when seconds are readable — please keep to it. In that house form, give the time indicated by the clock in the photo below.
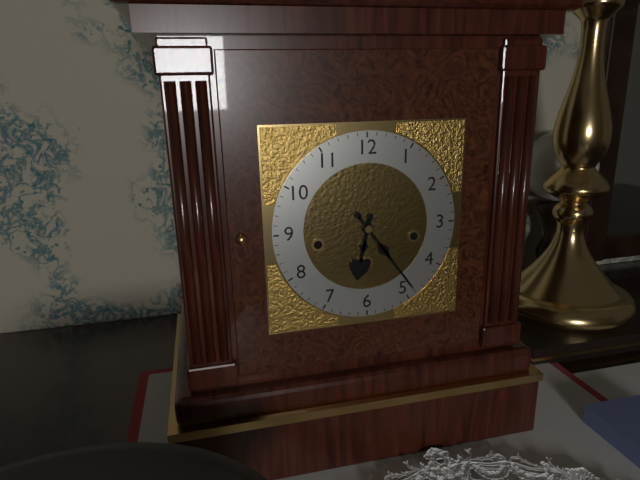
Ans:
**6:24**
